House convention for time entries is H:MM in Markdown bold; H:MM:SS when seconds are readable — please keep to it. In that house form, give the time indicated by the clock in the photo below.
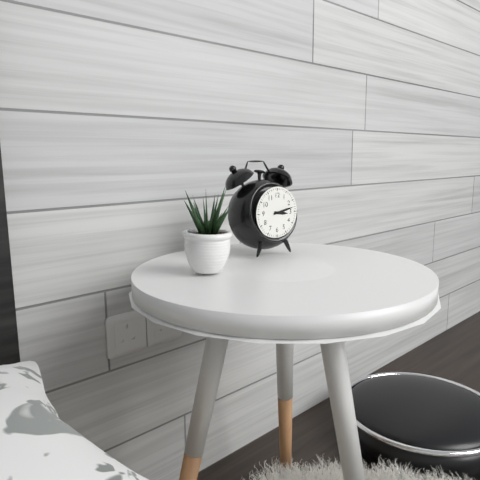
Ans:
**3:13**
